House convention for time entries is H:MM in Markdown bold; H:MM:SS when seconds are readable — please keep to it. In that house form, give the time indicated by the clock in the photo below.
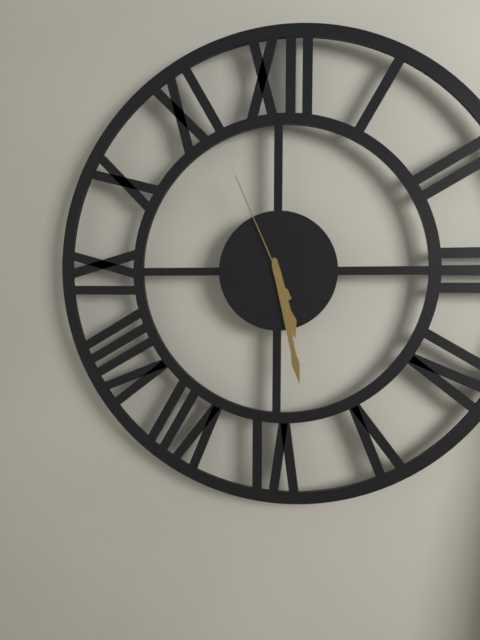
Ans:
**5:28:56**
